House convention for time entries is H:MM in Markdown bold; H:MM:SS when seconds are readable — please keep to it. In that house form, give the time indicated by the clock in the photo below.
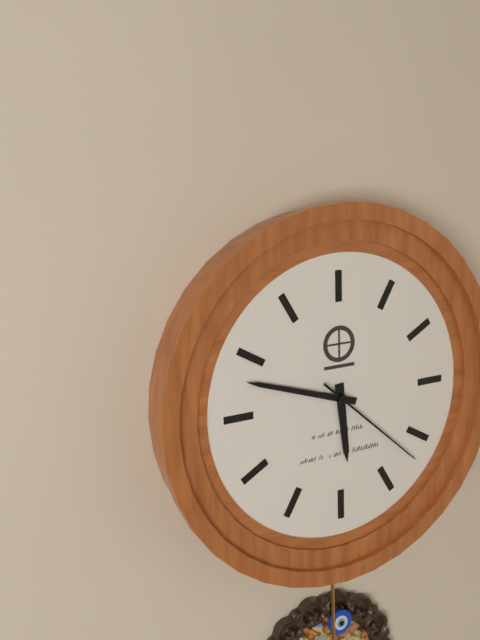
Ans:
**5:48:22**
